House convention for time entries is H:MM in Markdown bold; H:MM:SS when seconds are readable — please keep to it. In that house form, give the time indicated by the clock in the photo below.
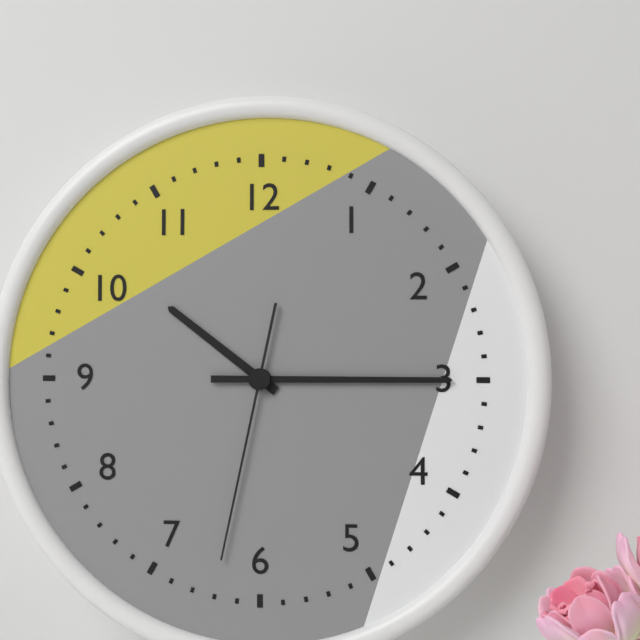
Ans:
**10:15:32**
